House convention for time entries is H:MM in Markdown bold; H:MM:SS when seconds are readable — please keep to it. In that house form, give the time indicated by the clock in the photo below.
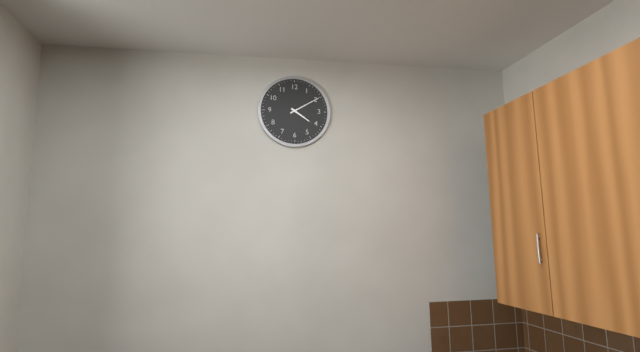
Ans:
**4:10**
